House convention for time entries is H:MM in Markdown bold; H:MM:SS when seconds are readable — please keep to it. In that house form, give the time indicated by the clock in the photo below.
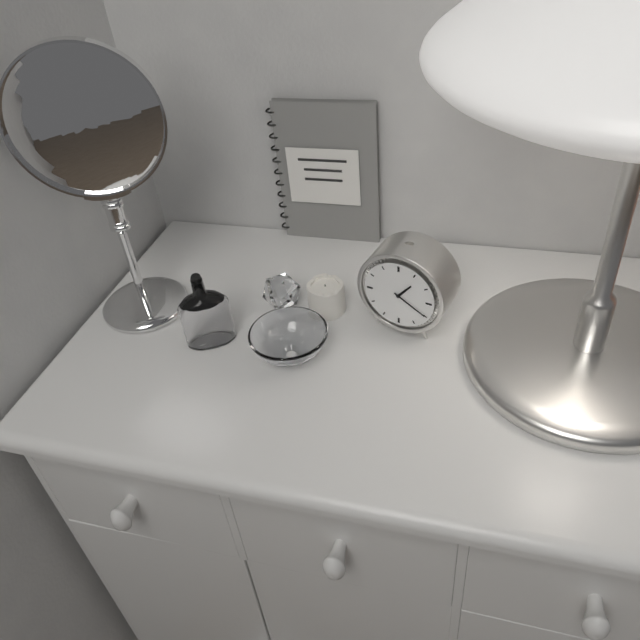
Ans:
**1:20**
